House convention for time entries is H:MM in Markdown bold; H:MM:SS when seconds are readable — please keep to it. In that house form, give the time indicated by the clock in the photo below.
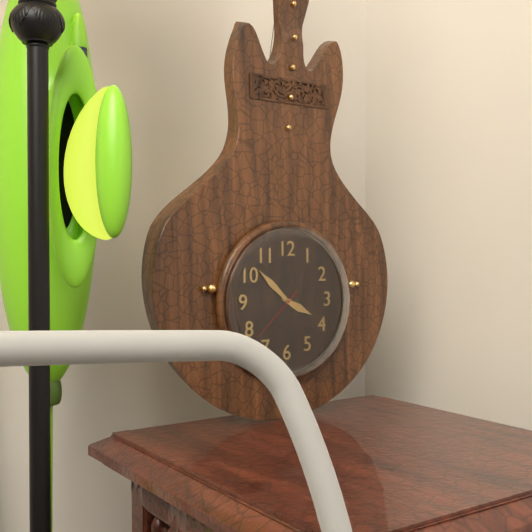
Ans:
**3:52:38**
